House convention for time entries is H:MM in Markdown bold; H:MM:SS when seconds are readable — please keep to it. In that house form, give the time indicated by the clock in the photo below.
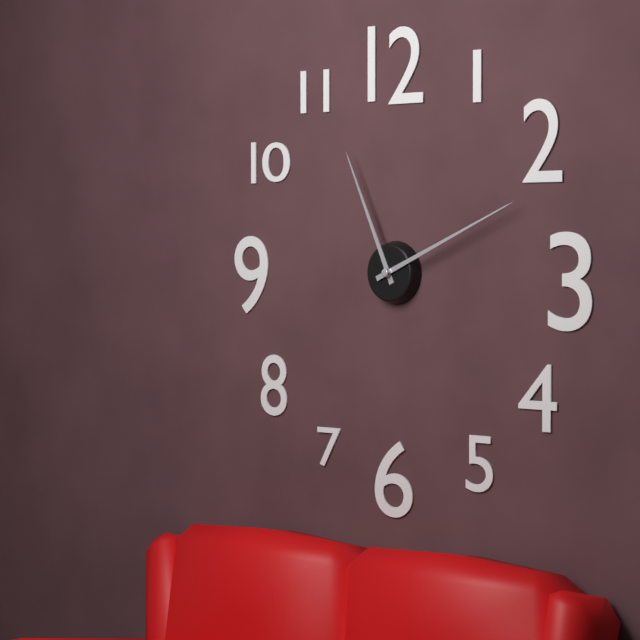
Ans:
**11:11**
